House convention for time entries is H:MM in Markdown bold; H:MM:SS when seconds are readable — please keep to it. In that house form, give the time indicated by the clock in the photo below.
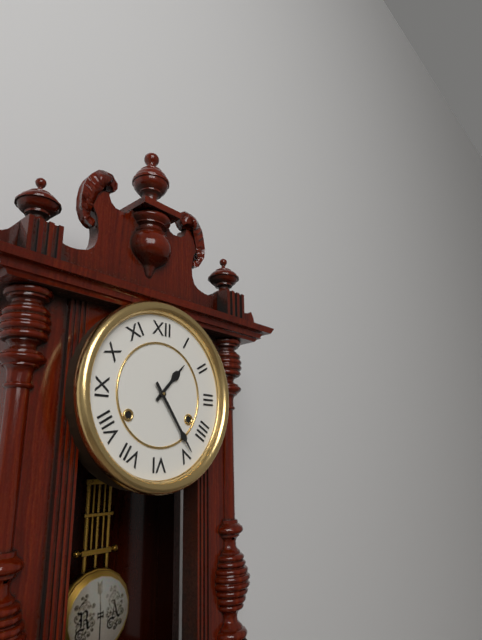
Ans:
**1:24**
